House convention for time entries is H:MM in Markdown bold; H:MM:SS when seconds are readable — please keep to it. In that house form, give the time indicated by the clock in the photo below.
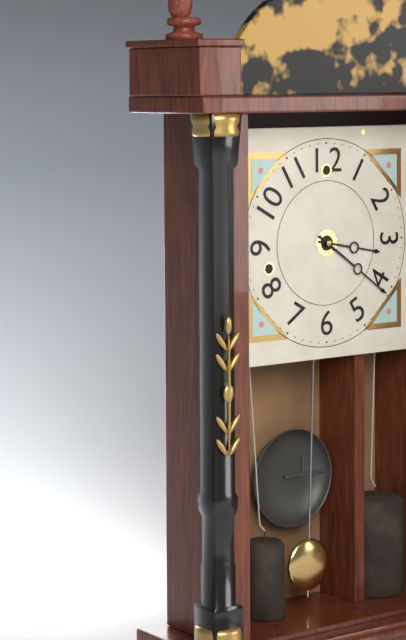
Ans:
**3:21**
